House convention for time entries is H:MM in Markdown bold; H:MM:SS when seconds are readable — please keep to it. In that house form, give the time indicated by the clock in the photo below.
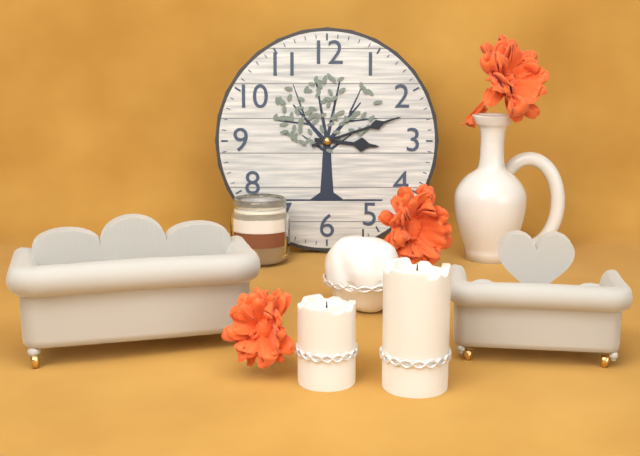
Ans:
**3:12**
